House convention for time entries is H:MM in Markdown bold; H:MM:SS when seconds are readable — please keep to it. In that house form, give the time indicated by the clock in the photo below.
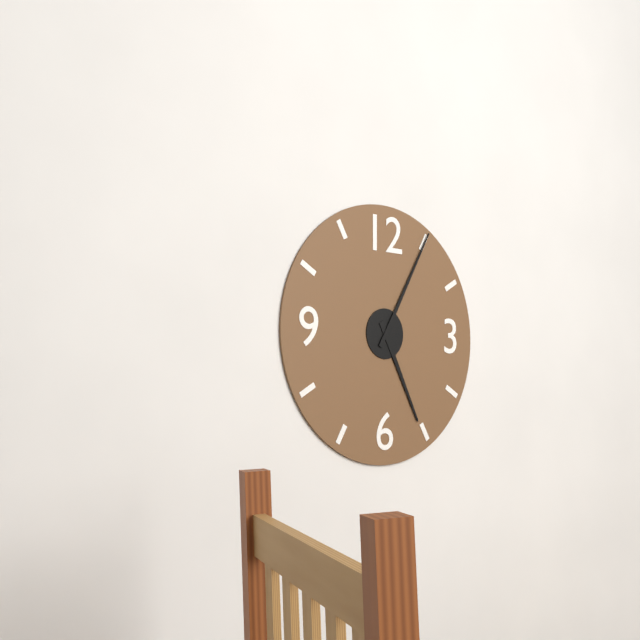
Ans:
**5:05**
